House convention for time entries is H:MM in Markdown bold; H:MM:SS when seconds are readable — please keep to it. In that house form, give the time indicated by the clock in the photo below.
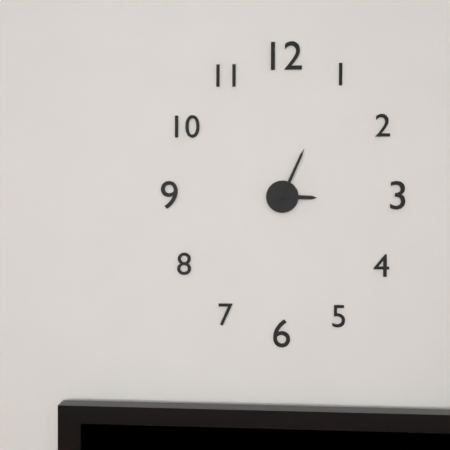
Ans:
**3:04**
